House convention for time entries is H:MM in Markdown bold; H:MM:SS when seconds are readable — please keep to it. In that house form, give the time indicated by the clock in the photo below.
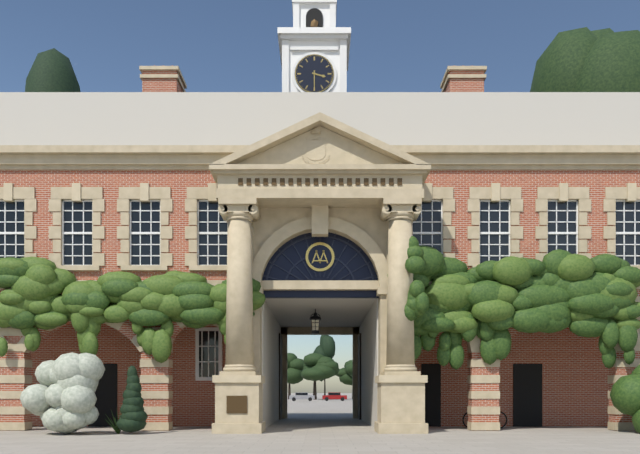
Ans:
**3:30**
